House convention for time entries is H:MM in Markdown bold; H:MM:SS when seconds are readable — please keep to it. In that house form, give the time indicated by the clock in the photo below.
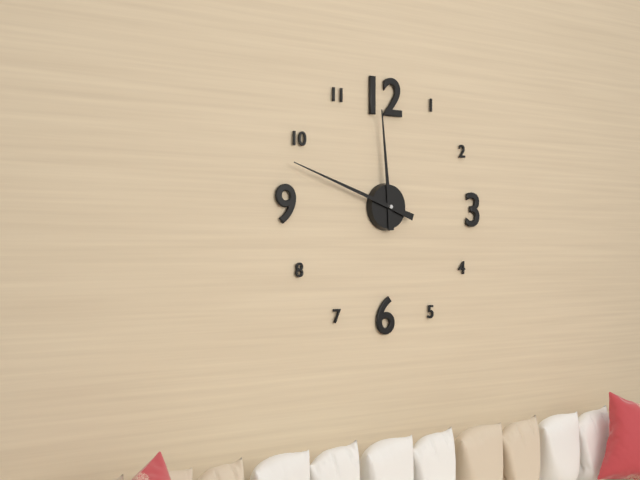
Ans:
**11:48**
